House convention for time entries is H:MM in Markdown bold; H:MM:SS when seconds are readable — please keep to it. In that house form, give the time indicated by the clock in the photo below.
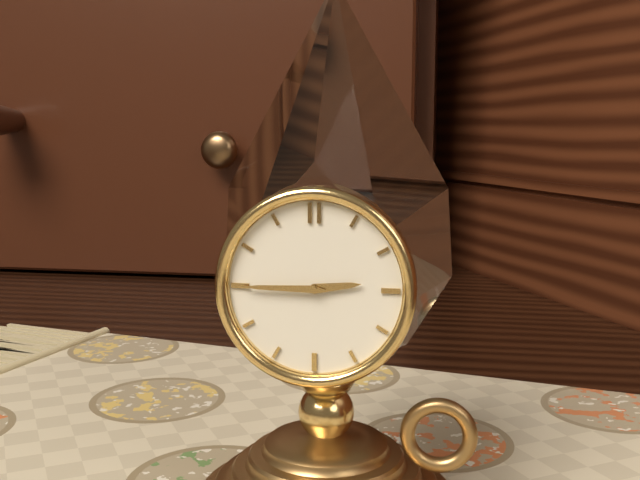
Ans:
**2:45**
